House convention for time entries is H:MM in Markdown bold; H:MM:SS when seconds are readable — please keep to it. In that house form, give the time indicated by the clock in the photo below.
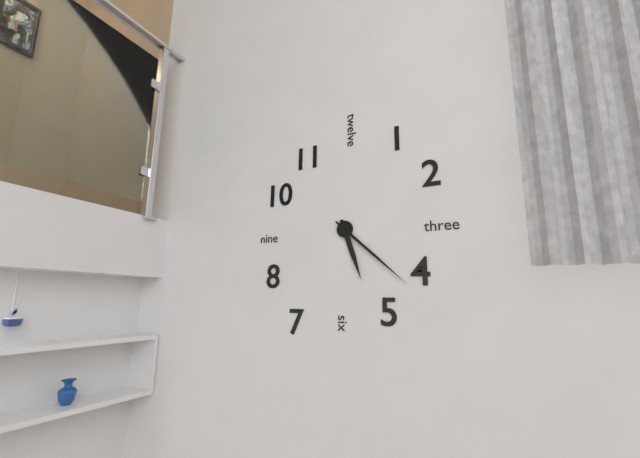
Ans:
**5:22**
